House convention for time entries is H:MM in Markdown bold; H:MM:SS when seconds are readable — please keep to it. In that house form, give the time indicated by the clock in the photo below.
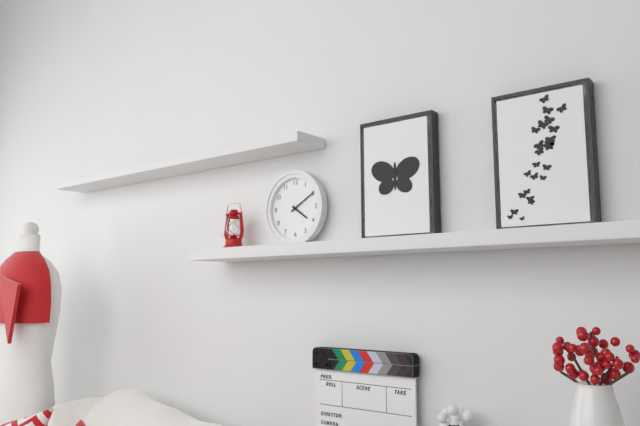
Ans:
**4:10**
